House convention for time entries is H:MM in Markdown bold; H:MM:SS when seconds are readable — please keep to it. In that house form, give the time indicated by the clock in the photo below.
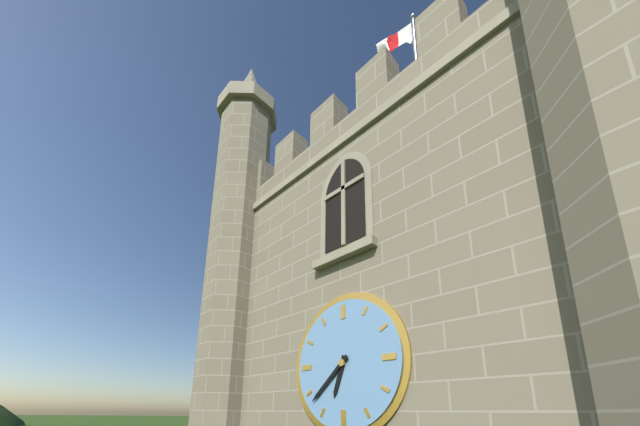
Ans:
**6:38**
